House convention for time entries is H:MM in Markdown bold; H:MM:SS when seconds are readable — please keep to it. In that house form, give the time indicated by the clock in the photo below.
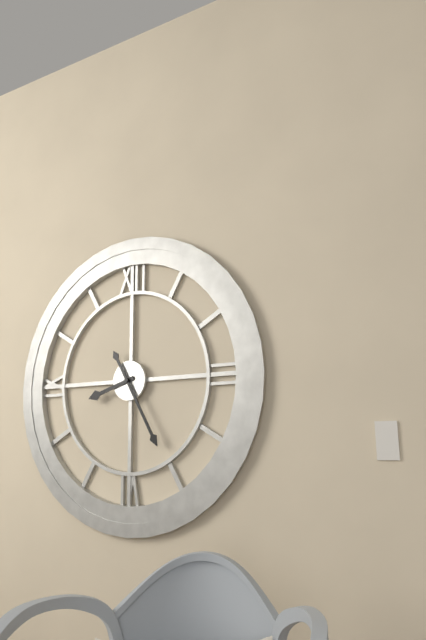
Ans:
**8:25**
